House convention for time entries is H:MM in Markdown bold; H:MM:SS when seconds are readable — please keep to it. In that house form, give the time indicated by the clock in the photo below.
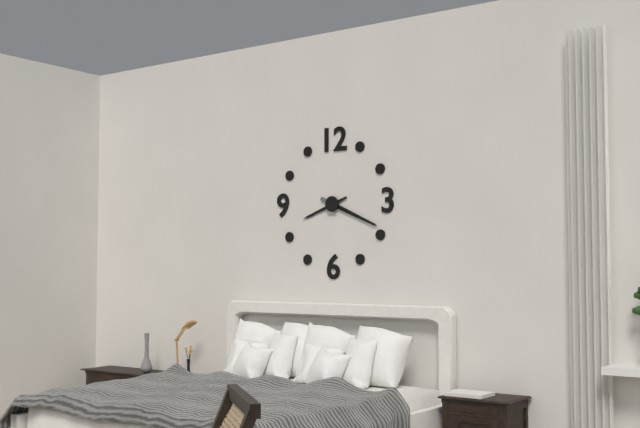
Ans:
**8:19**
